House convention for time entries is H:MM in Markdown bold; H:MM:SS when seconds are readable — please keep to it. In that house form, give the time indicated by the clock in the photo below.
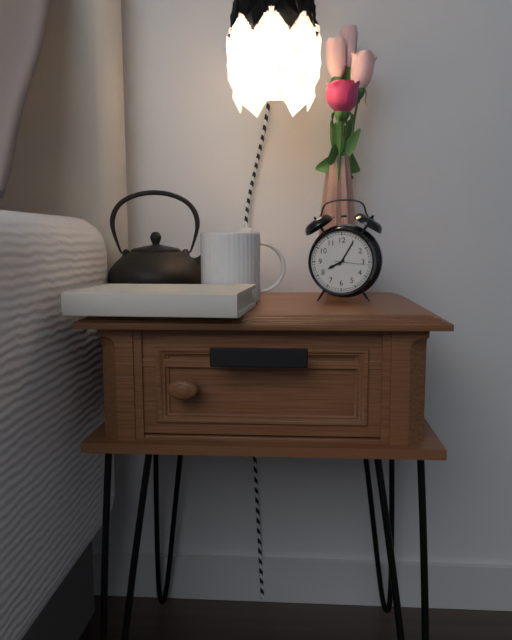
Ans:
**8:05**
